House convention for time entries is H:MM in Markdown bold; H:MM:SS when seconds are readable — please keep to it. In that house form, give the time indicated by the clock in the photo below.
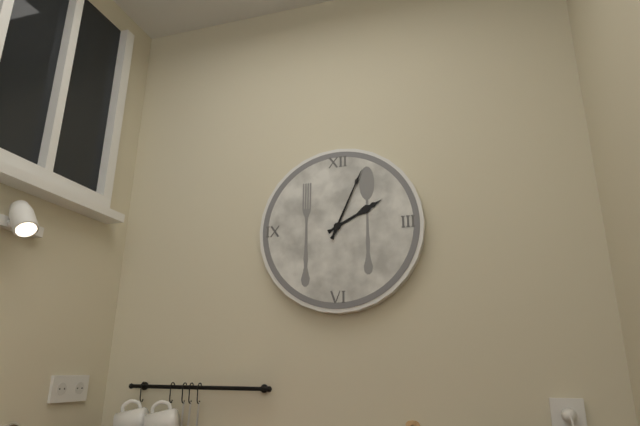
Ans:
**2:04**
